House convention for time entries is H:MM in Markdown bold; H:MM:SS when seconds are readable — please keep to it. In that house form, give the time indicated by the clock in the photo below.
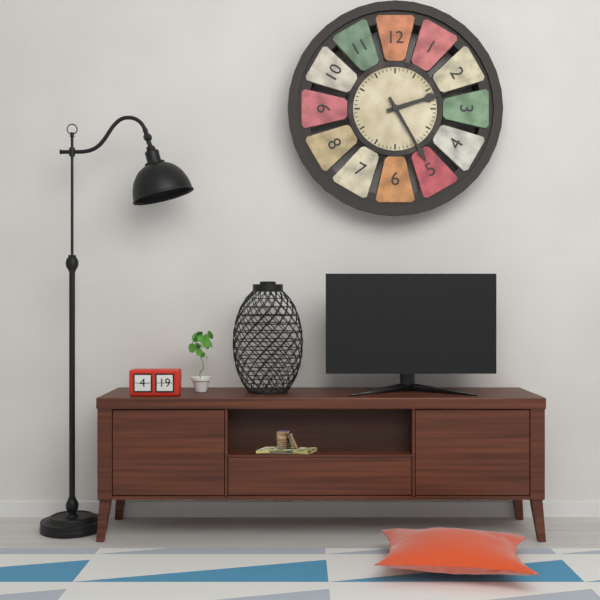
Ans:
**2:25**
